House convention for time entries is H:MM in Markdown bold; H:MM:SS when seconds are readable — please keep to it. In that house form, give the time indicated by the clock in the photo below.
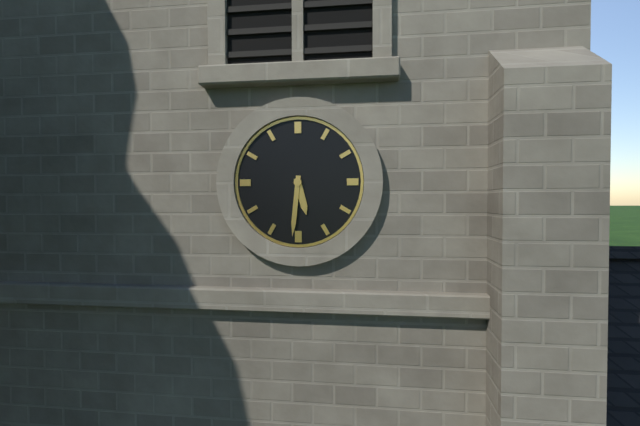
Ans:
**5:31**
